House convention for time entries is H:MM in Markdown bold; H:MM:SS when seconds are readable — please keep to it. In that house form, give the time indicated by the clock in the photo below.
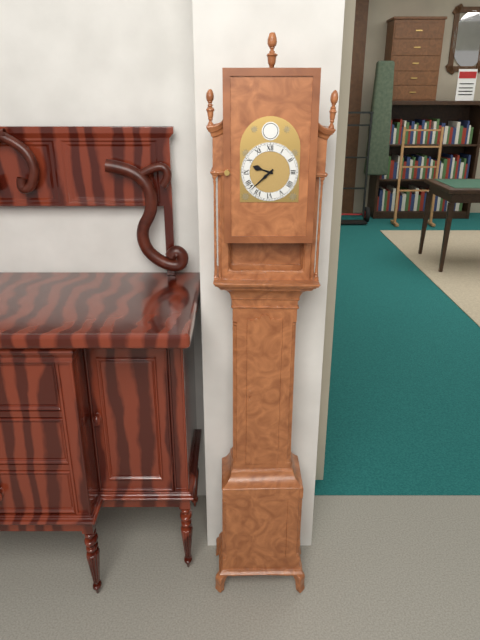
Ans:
**9:38**
